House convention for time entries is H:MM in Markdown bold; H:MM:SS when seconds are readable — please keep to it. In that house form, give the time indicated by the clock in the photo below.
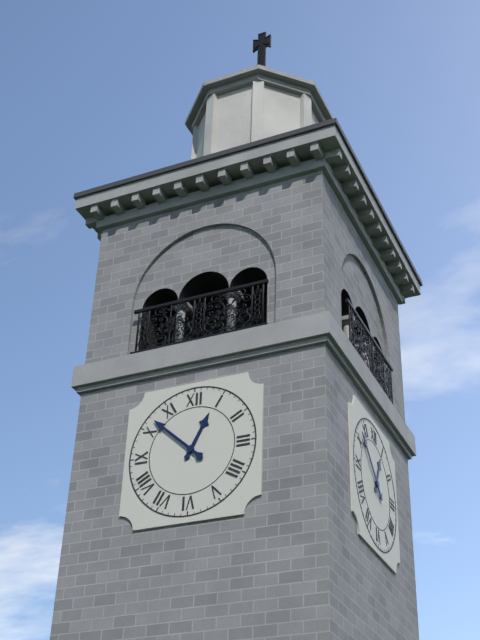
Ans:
**12:52**
